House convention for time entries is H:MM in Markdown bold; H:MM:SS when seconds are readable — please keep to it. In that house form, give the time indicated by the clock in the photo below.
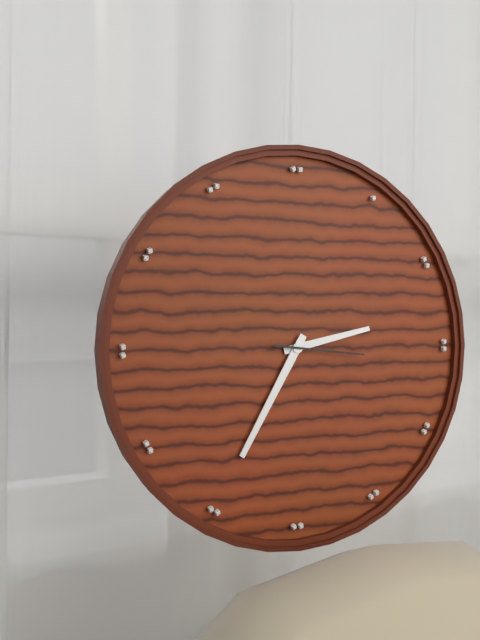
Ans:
**2:35:16**
